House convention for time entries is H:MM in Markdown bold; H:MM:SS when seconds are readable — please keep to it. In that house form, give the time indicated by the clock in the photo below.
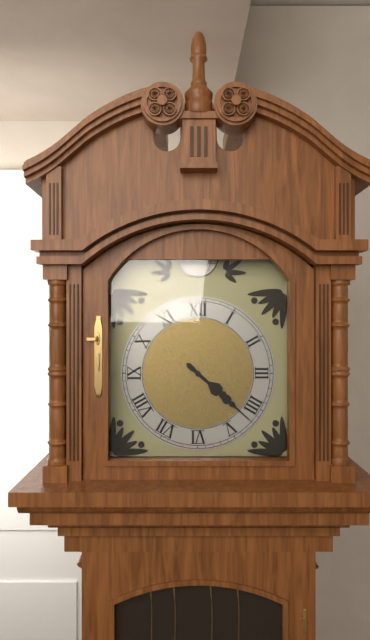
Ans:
**4:22**
